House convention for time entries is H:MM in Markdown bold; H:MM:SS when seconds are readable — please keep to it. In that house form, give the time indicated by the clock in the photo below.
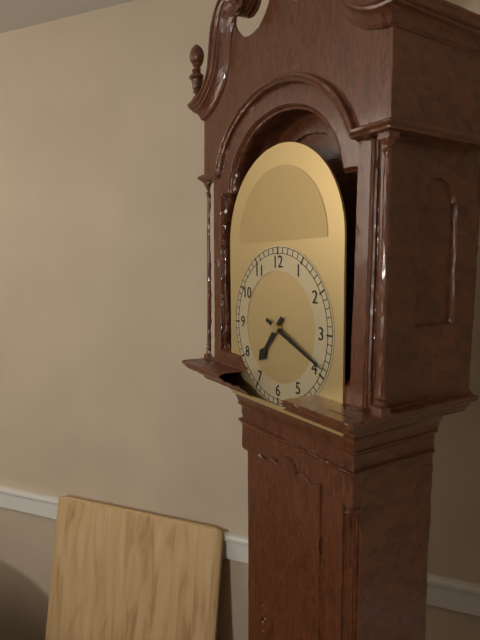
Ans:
**7:19**
